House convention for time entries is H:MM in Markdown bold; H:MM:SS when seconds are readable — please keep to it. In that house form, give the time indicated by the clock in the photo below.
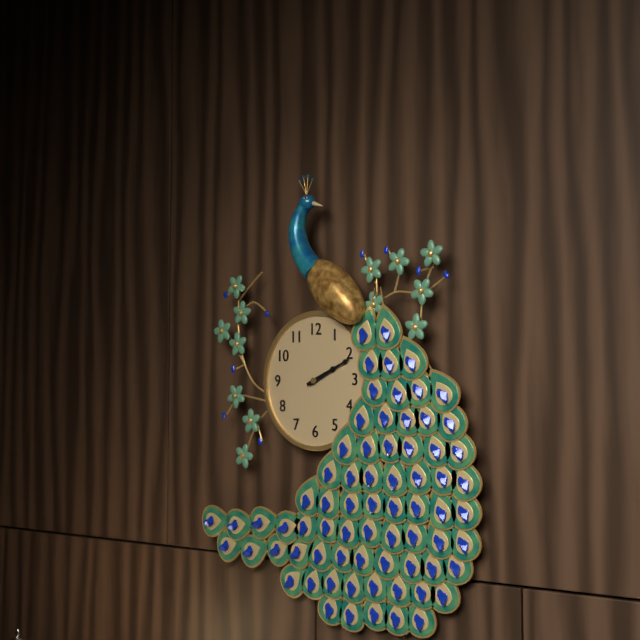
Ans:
**2:11**
